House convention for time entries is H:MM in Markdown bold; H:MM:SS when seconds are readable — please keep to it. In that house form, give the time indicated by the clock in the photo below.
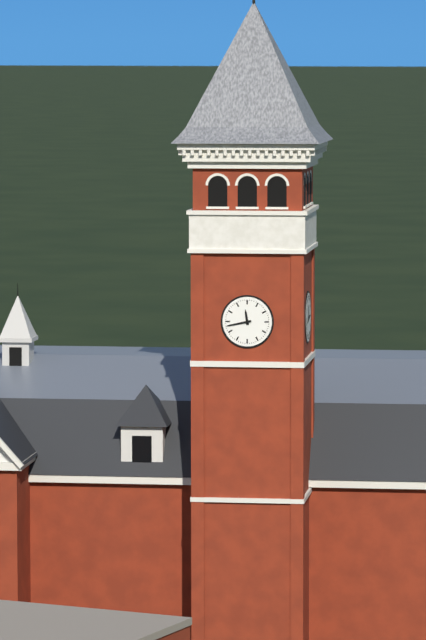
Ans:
**11:43**
